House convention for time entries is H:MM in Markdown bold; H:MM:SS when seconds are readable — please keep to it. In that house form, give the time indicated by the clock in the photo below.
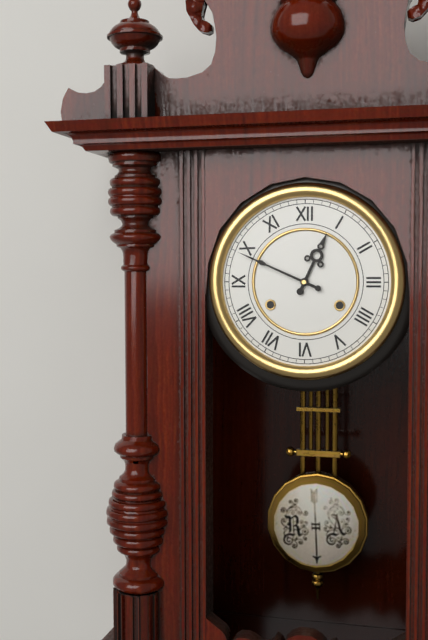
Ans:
**12:49**
